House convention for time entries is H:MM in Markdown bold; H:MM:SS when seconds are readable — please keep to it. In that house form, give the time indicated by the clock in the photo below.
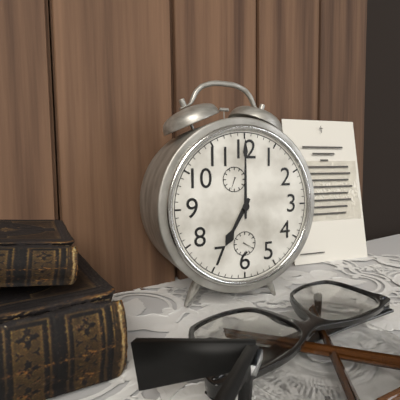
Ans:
**7:00**
